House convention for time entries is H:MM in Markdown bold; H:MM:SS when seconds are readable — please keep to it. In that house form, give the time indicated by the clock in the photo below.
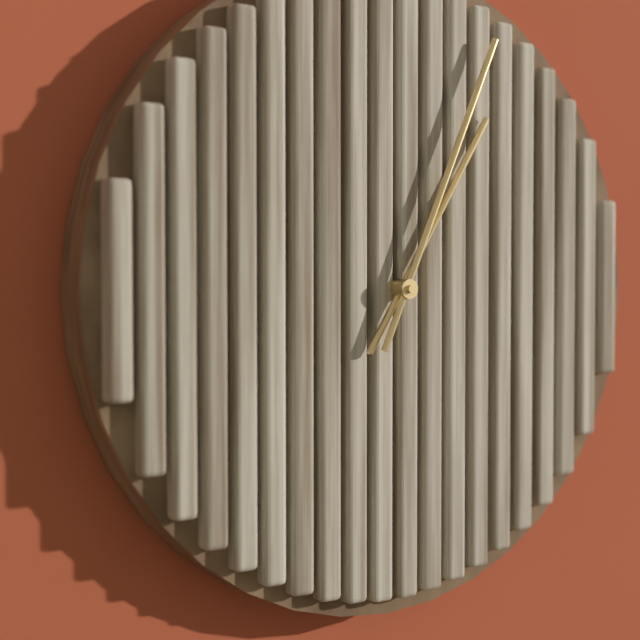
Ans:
**1:04**
